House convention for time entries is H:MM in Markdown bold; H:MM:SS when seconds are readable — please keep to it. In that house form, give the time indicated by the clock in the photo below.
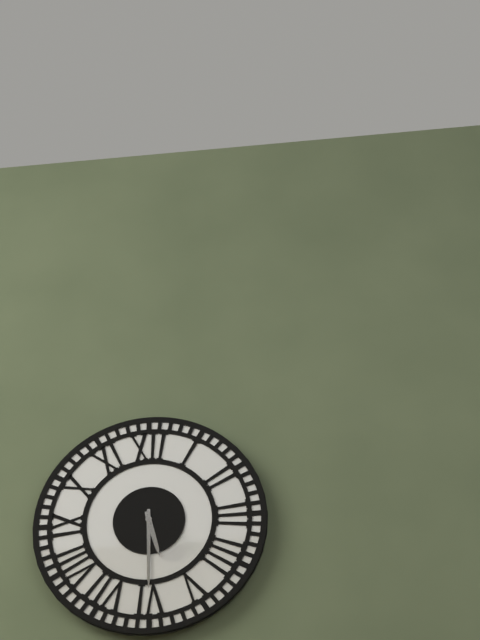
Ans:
**5:30**
